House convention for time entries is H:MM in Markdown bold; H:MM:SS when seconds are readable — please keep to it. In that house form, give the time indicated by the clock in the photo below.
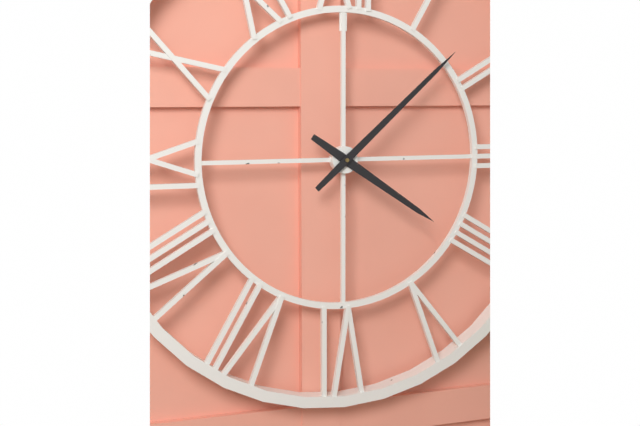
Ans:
**4:08**
